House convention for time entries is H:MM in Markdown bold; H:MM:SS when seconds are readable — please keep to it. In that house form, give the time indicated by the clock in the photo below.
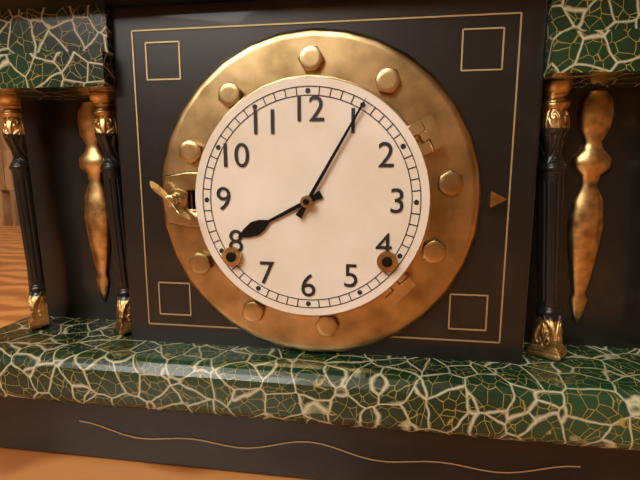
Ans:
**8:05**
